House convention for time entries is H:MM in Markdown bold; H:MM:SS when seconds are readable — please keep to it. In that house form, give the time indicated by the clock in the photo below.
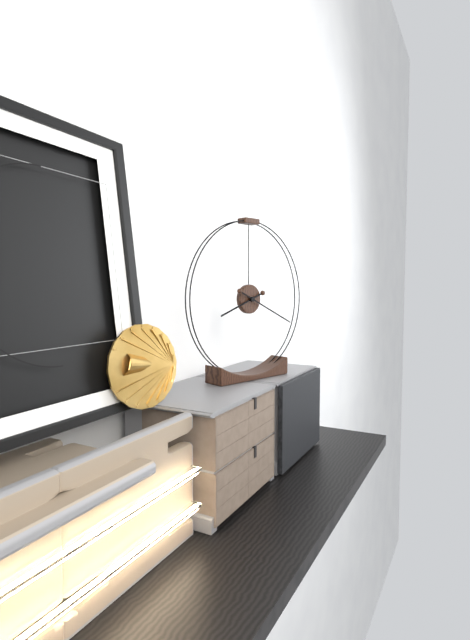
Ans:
**8:19**
